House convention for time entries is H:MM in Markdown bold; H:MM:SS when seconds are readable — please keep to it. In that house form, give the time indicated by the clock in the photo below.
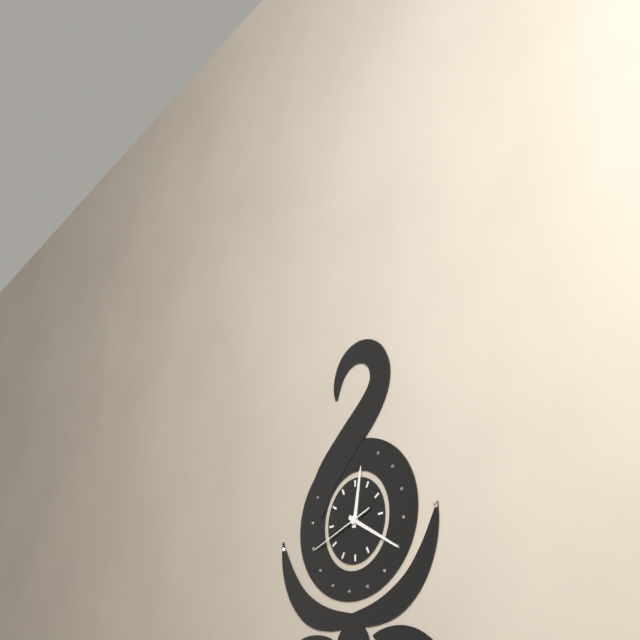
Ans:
**12:20:42**
